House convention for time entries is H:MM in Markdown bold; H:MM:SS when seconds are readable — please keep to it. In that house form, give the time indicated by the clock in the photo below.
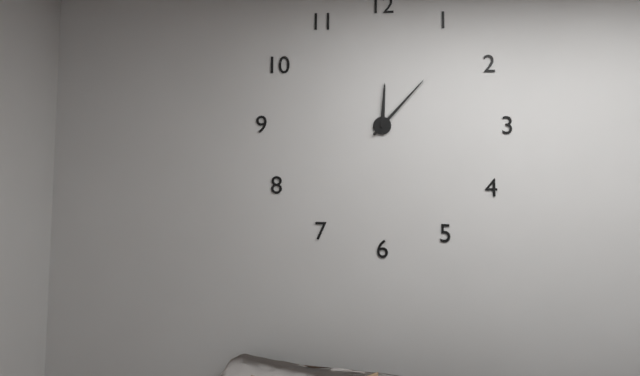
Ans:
**12:07**
